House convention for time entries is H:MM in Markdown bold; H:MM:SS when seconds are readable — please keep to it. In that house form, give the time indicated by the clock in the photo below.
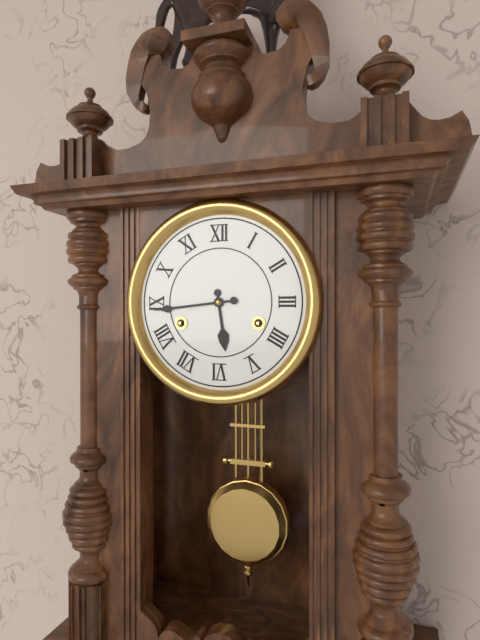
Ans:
**5:44**
